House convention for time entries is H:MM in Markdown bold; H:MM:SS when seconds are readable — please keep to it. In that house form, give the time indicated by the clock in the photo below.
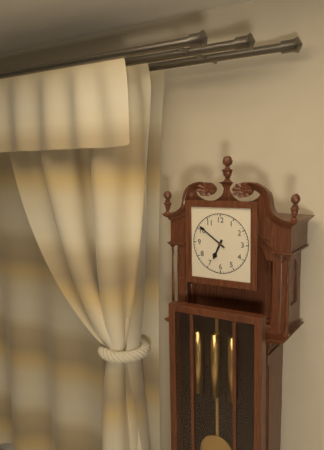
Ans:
**6:51**
